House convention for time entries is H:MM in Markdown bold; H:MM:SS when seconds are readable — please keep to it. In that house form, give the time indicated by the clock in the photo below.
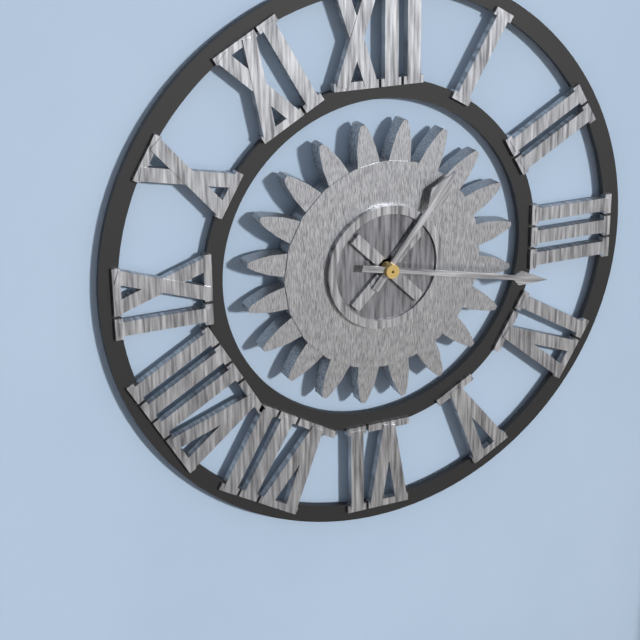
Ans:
**1:17**
